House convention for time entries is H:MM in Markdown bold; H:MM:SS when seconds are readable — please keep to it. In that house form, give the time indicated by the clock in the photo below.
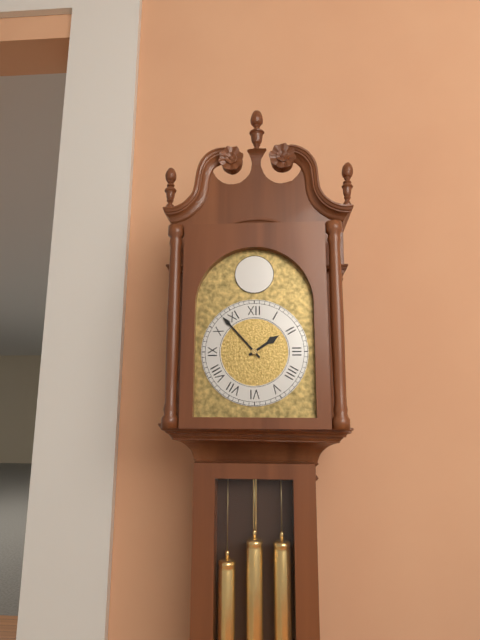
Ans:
**1:53**
